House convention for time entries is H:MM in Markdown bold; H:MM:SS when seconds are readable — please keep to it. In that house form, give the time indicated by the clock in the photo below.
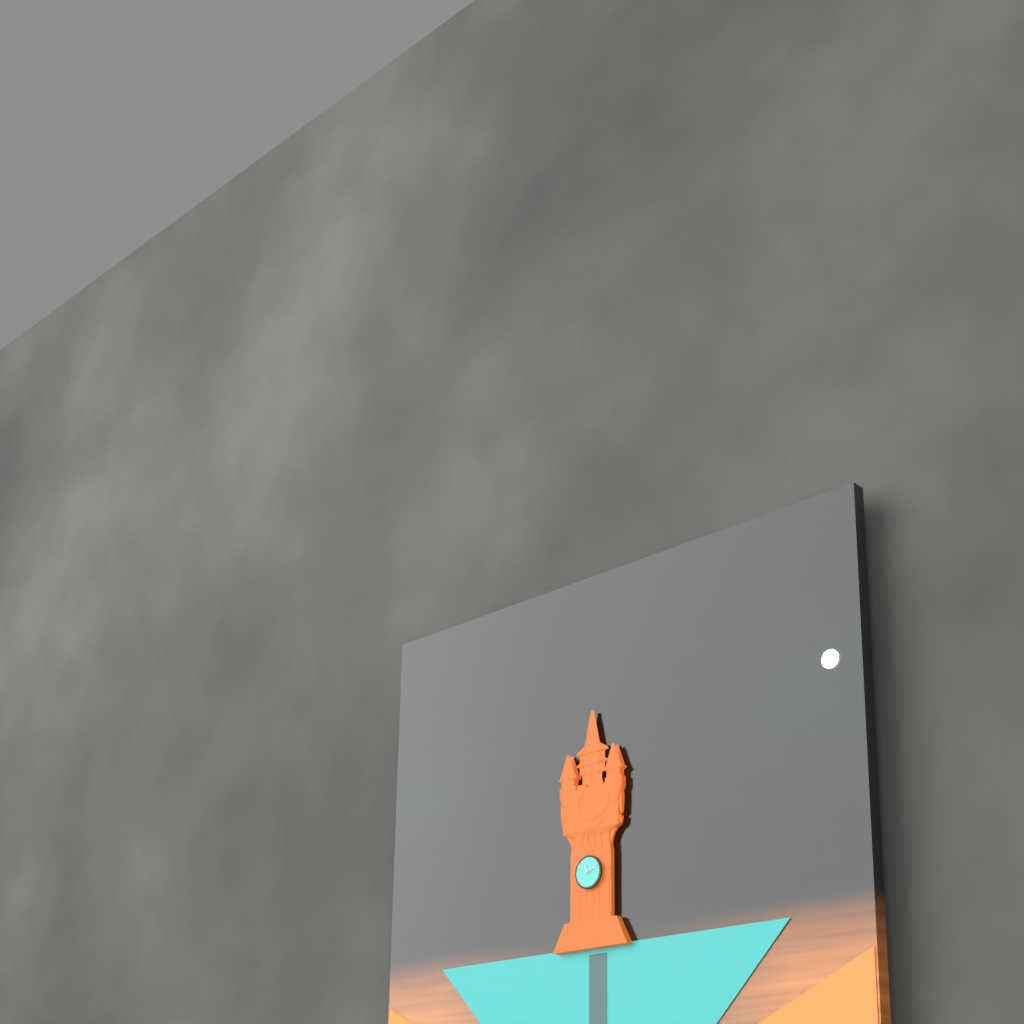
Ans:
**11:12**
